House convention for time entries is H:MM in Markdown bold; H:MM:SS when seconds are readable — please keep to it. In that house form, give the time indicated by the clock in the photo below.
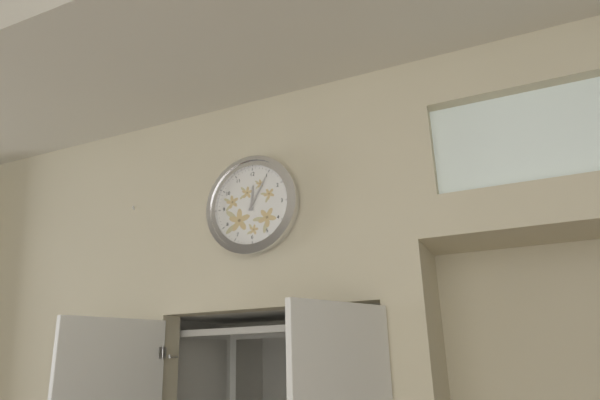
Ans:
**12:05**
